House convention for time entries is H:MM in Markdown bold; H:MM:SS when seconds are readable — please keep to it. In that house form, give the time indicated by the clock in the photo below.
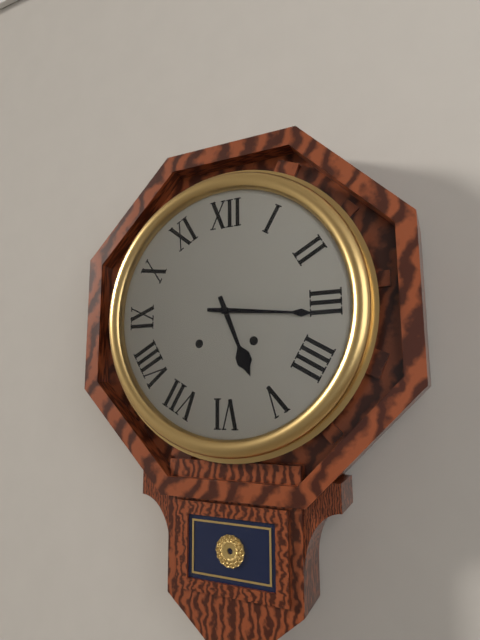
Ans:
**5:16**
